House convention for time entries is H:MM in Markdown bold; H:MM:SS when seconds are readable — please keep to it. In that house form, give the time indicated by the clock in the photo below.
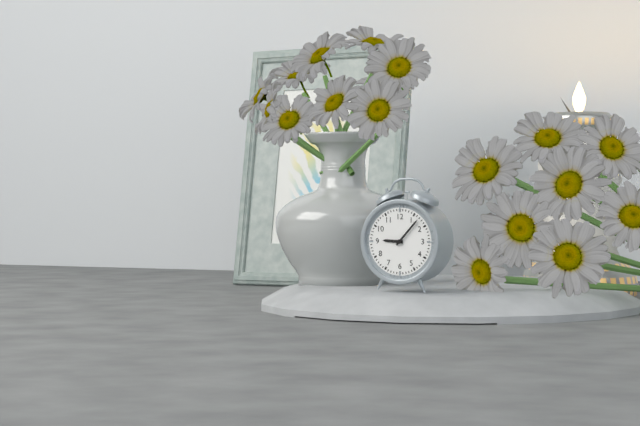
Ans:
**9:07**
